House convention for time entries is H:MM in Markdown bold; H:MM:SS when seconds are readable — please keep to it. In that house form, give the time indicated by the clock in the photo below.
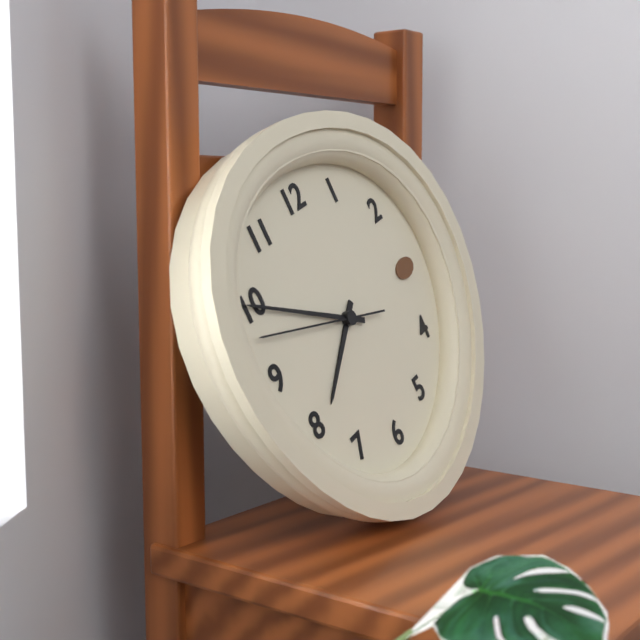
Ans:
**7:50:48**
